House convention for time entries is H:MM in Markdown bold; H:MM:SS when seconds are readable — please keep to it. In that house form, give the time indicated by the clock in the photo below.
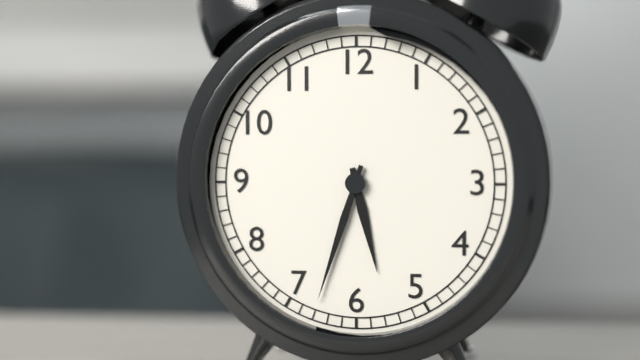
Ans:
**5:33**
